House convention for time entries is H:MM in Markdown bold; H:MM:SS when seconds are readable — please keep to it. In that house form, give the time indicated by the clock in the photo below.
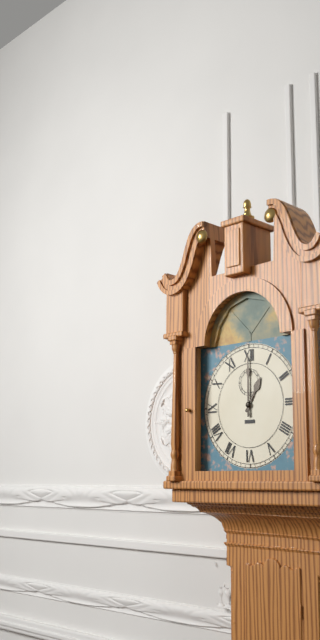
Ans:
**1:00**
